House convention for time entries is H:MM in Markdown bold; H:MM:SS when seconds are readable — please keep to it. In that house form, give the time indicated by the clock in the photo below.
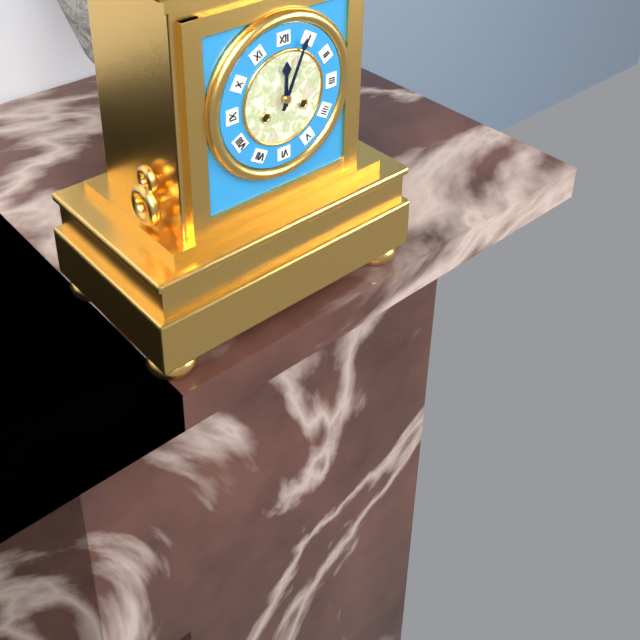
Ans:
**12:04**
